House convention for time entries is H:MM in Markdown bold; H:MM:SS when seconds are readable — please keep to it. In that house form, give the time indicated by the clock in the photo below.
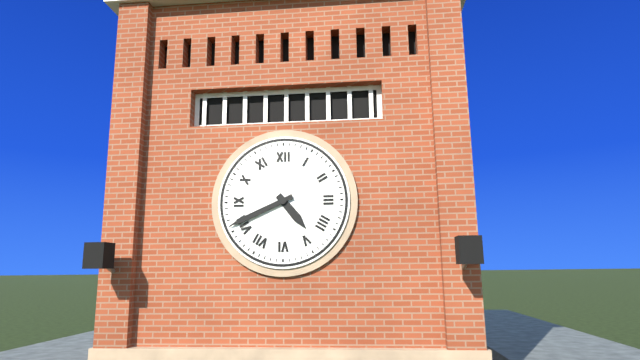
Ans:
**4:41**
